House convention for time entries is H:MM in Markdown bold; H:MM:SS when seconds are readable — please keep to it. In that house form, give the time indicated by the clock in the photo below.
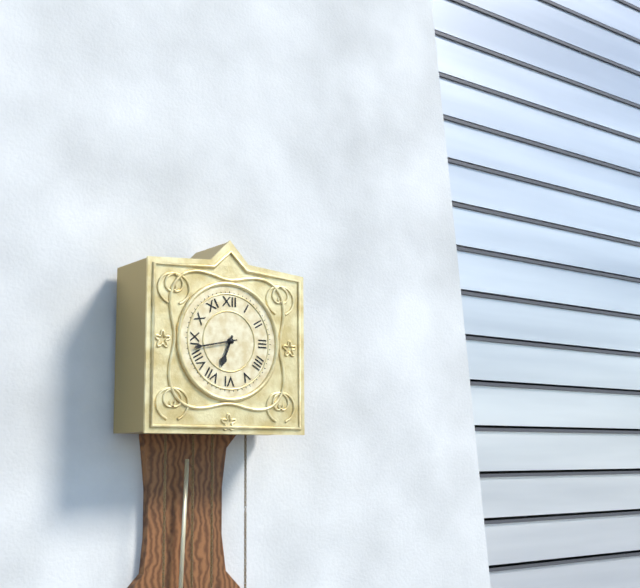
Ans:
**6:43**
